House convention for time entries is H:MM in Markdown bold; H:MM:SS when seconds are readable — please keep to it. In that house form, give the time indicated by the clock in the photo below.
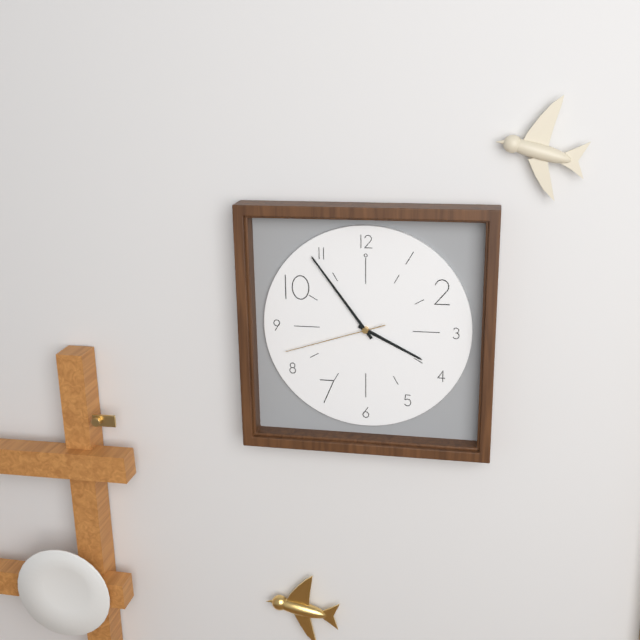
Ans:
**3:54:42**
